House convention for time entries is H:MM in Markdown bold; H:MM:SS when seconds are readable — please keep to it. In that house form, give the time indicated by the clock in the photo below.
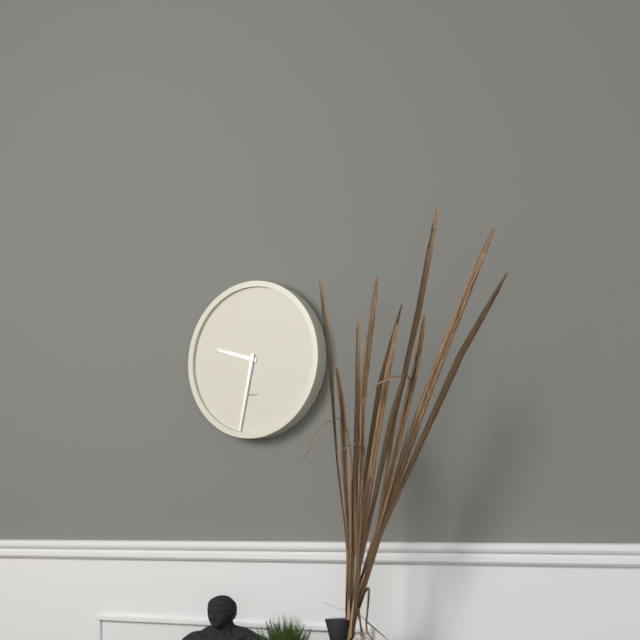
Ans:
**9:32**
